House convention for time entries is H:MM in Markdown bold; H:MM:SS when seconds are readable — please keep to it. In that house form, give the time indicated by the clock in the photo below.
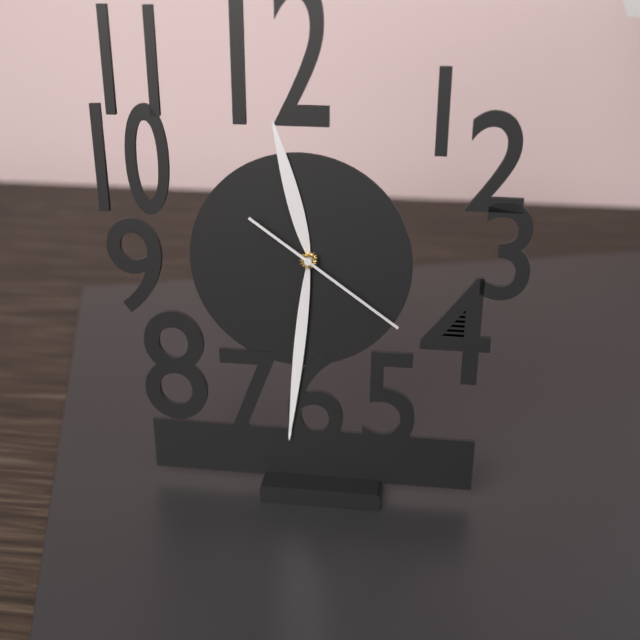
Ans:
**11:31:21**
